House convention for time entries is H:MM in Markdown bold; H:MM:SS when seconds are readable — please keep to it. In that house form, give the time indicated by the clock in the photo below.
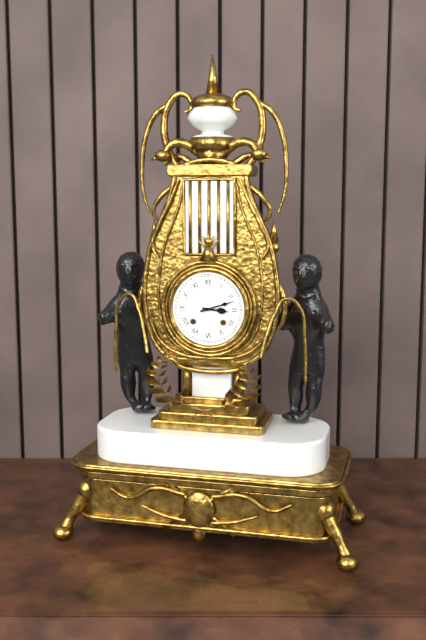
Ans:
**3:12**
